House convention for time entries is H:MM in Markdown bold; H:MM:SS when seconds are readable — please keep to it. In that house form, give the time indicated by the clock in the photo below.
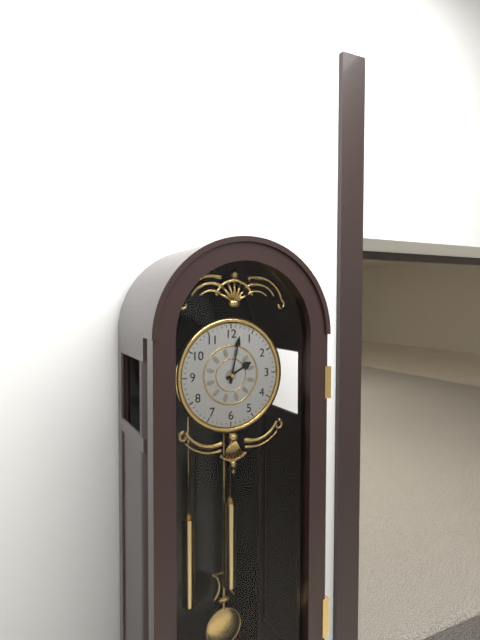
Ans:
**2:02**
